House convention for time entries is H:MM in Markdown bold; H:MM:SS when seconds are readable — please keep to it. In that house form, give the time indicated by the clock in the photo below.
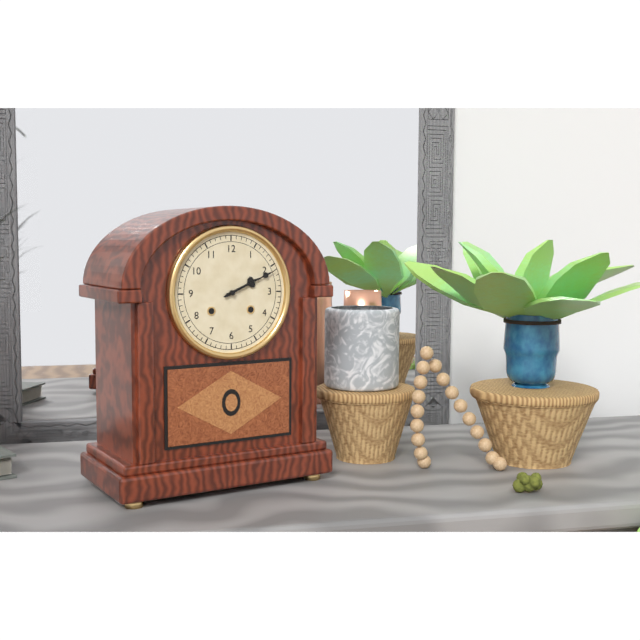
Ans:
**2:11**
